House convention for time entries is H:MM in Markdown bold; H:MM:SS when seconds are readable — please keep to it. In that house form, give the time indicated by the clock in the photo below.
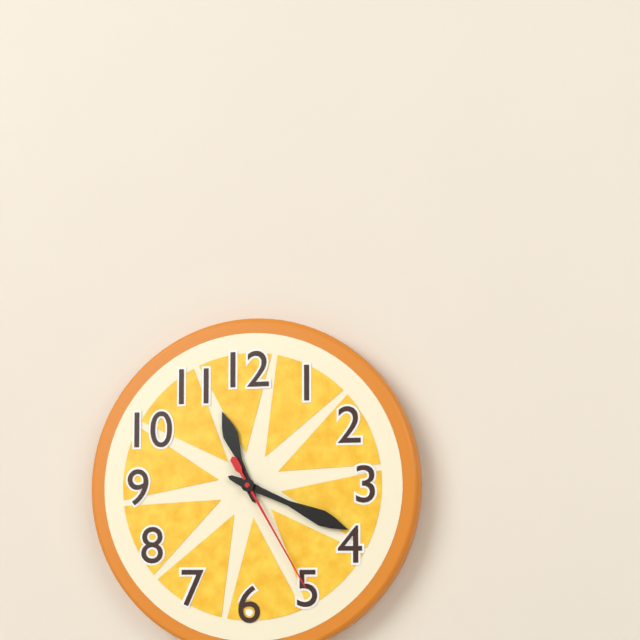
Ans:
**11:19:25**
